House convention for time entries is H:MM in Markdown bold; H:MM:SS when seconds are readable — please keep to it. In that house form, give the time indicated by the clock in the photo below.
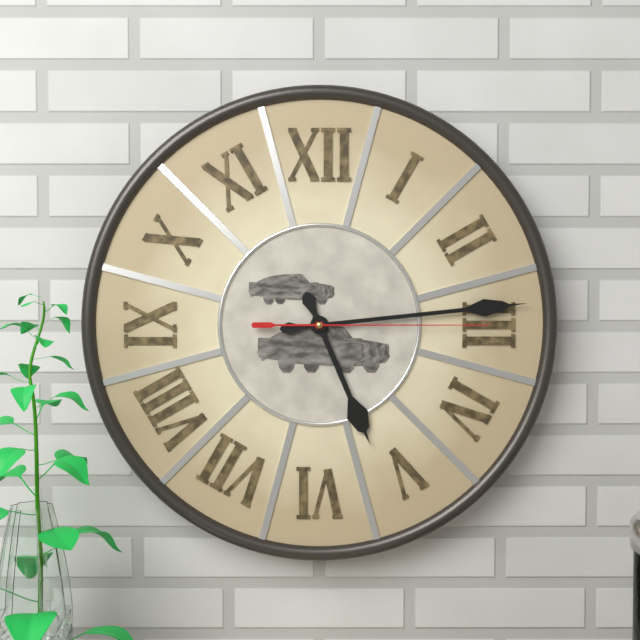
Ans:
**5:14:15**
